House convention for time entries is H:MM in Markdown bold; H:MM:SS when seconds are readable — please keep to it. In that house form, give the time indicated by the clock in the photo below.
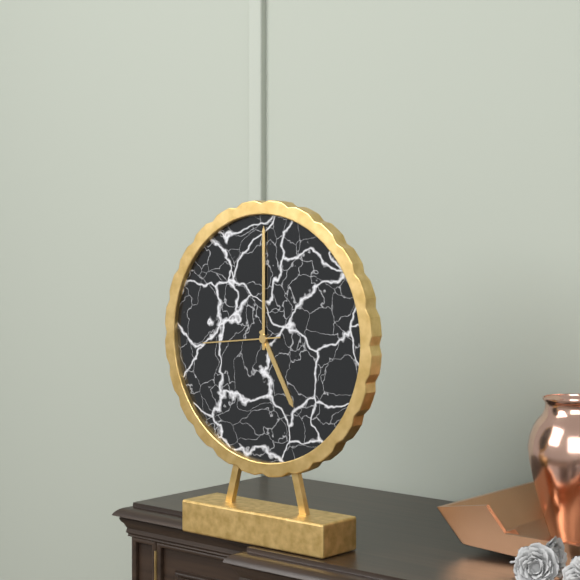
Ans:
**5:00:44**
